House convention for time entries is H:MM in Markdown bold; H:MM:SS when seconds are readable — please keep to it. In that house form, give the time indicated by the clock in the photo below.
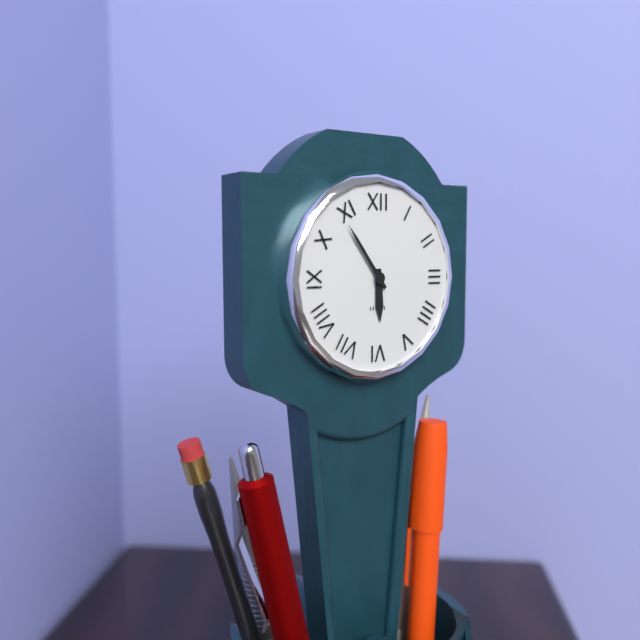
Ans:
**5:54**
